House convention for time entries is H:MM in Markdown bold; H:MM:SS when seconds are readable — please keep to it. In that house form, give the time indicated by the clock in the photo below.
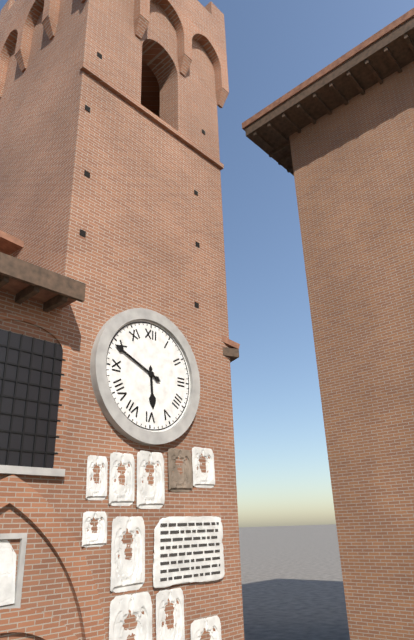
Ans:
**5:49**
